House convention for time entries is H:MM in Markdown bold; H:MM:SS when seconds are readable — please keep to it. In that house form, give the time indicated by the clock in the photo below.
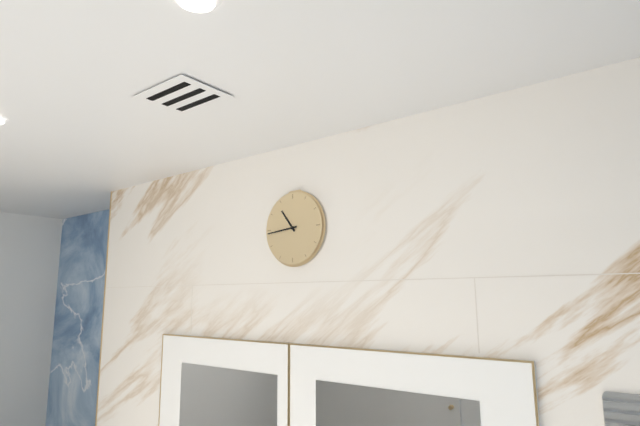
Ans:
**10:44**
